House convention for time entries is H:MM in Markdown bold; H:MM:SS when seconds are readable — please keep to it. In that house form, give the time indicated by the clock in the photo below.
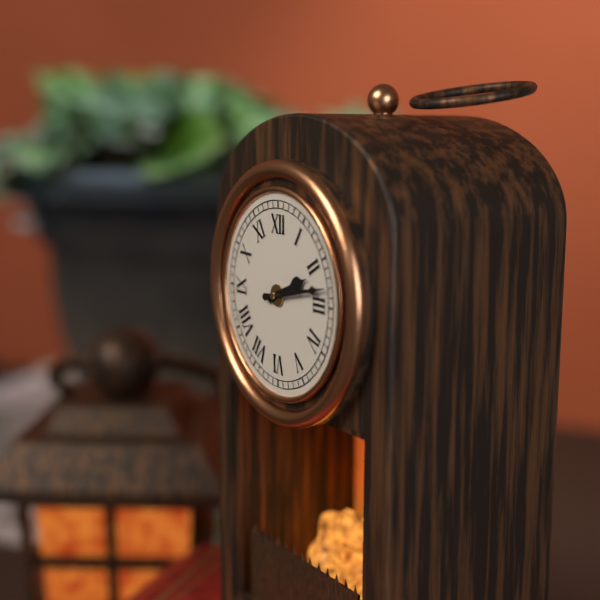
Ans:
**2:13**
